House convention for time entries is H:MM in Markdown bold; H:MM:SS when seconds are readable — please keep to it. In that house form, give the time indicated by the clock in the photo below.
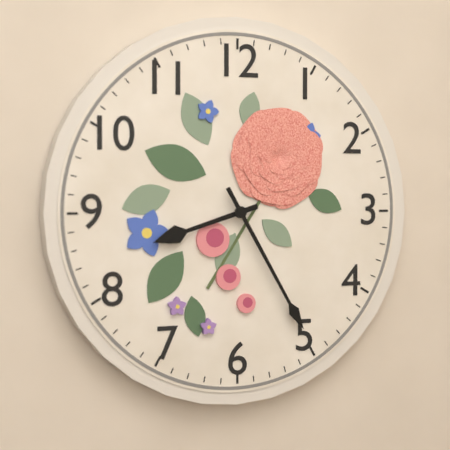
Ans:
**8:25**
